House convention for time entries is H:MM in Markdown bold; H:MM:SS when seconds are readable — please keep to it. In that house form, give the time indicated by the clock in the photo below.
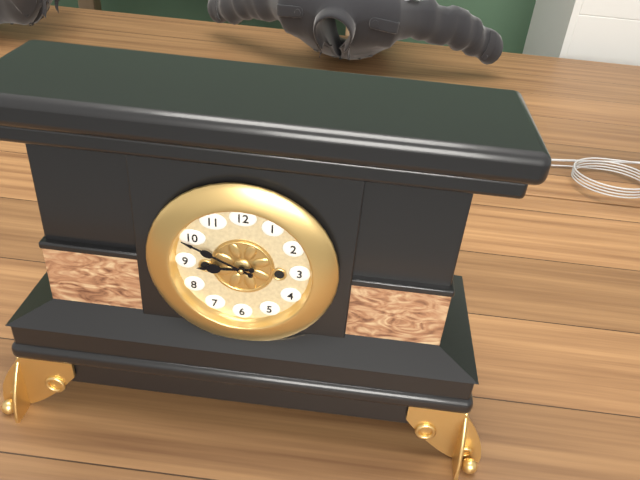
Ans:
**8:49**
